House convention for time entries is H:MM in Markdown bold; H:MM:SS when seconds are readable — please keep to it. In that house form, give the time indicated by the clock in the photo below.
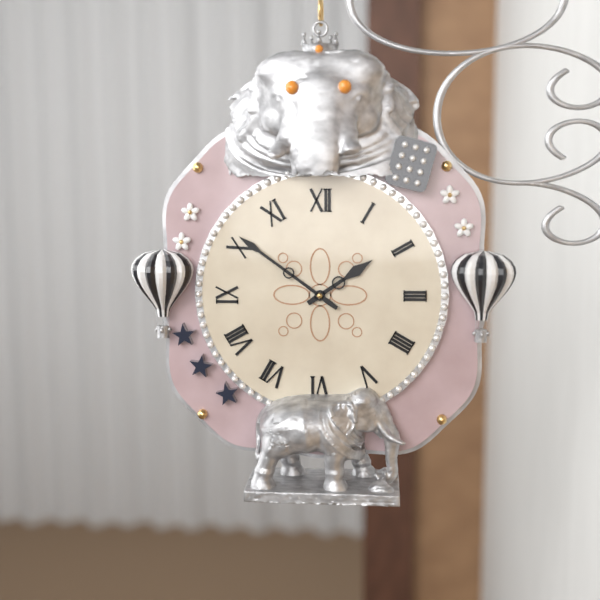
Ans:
**1:51**
